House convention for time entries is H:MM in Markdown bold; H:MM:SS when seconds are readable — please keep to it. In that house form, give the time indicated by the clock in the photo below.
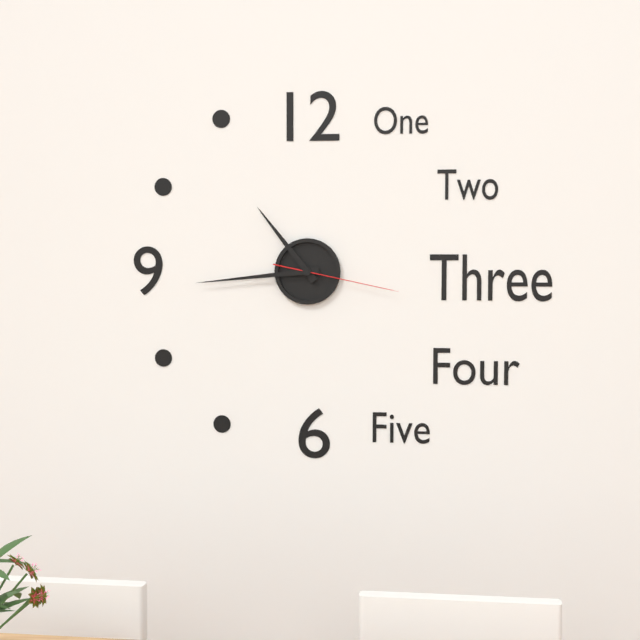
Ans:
**10:44:17**
